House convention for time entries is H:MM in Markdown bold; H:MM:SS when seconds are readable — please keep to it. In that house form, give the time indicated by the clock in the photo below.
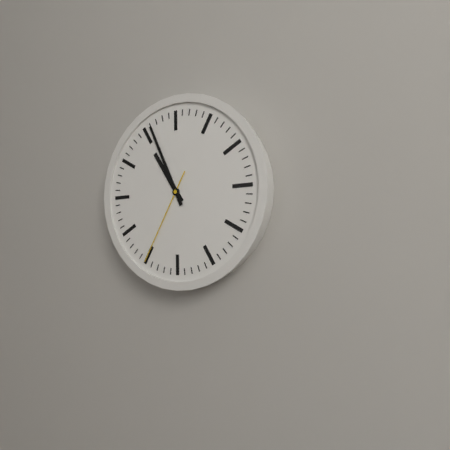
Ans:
**10:56:35**
